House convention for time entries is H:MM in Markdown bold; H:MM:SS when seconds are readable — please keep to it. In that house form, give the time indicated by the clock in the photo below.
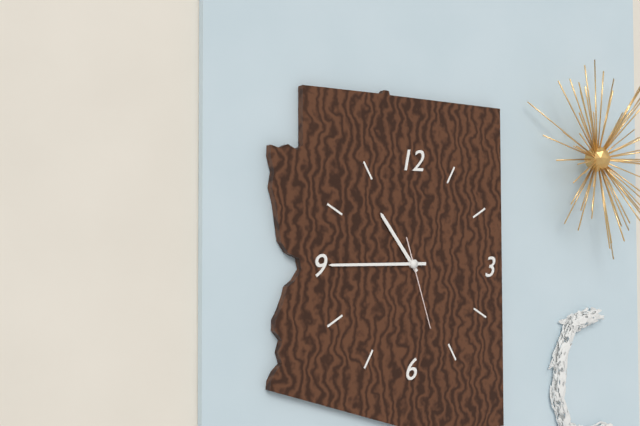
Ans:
**10:45:27**
